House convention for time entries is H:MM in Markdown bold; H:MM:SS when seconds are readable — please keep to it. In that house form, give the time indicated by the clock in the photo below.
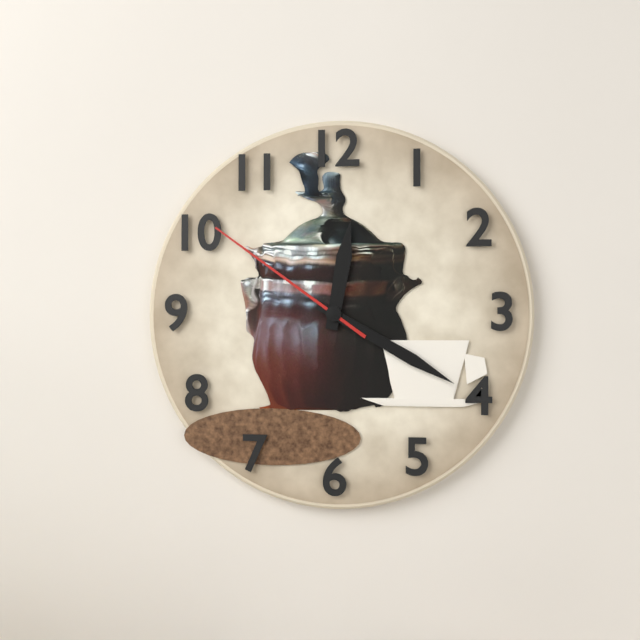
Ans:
**12:20:51**
